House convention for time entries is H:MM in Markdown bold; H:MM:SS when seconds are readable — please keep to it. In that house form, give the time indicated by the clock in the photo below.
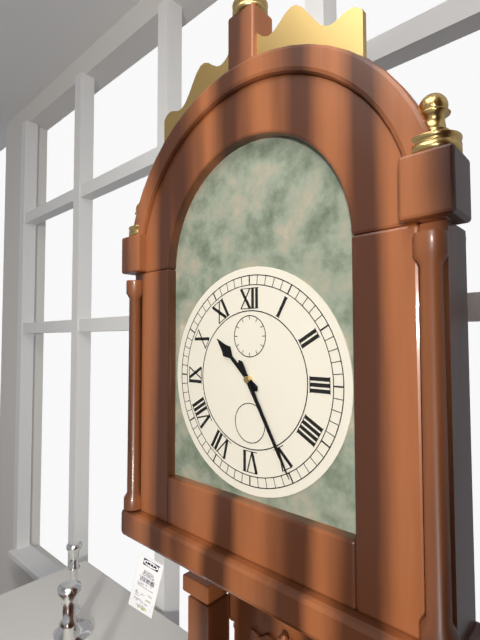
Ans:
**10:25**
